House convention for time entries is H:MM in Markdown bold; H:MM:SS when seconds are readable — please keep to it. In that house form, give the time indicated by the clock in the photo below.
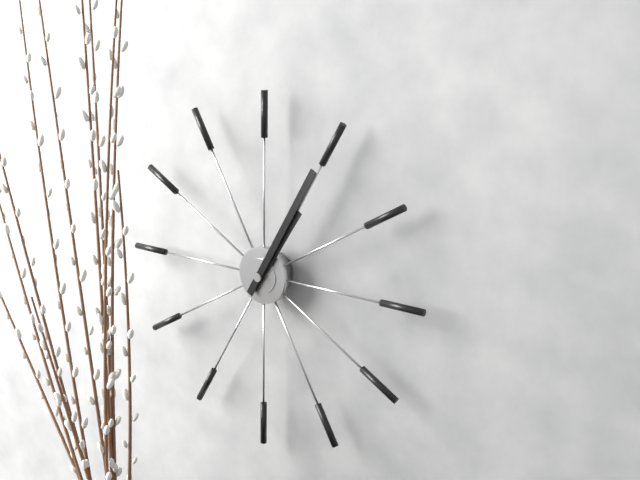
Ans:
**1:05**
